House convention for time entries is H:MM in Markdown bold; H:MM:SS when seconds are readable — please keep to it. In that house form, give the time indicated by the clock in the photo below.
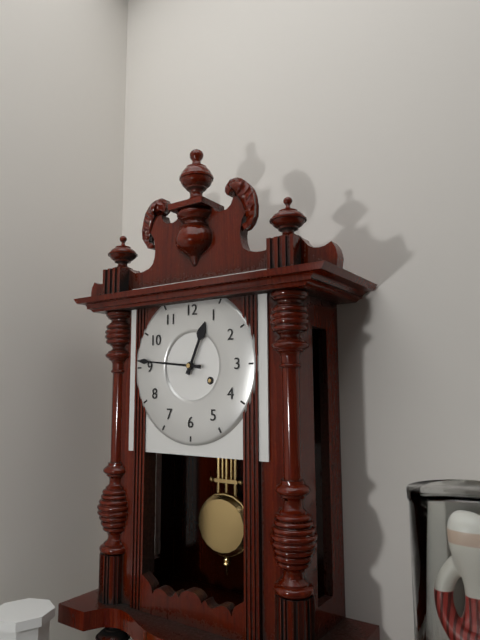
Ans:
**12:46**
